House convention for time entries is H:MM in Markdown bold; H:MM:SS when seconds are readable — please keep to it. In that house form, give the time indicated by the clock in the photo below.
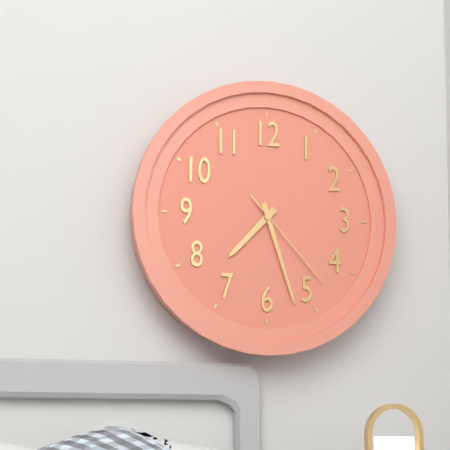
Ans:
**7:27:23**
